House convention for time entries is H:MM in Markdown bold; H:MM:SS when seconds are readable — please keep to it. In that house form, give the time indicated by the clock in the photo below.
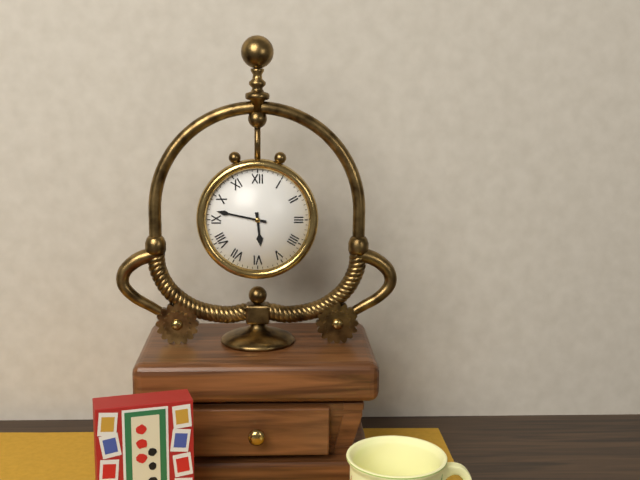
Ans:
**5:47**
